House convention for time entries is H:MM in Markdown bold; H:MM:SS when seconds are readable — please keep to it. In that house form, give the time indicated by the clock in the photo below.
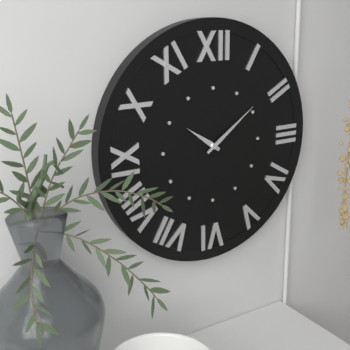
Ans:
**10:09**
